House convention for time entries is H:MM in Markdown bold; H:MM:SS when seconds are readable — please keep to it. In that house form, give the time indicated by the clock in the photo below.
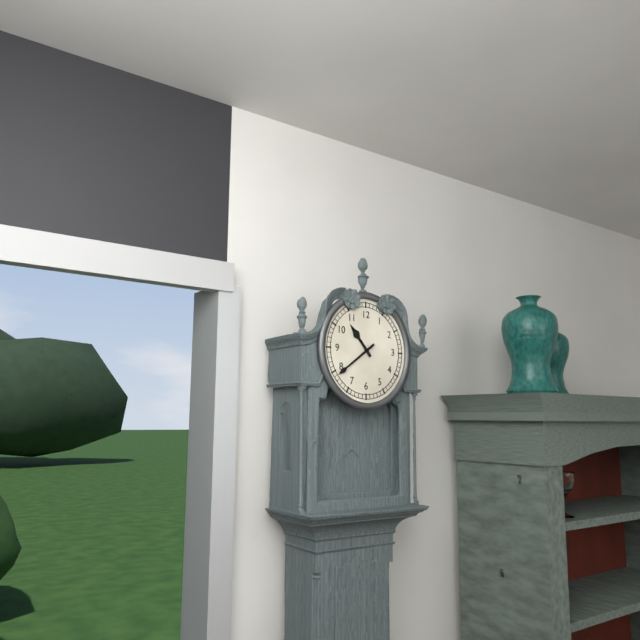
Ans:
**10:39**
